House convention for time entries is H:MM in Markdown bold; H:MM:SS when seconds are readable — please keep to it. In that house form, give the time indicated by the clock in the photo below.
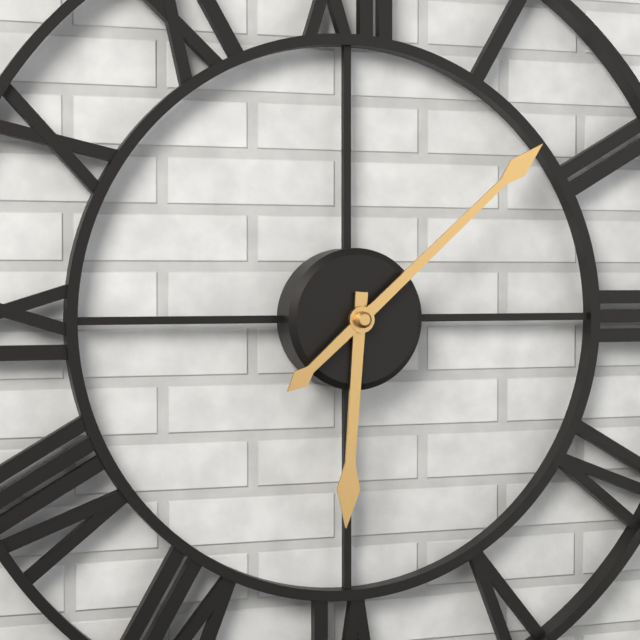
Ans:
**6:08**
